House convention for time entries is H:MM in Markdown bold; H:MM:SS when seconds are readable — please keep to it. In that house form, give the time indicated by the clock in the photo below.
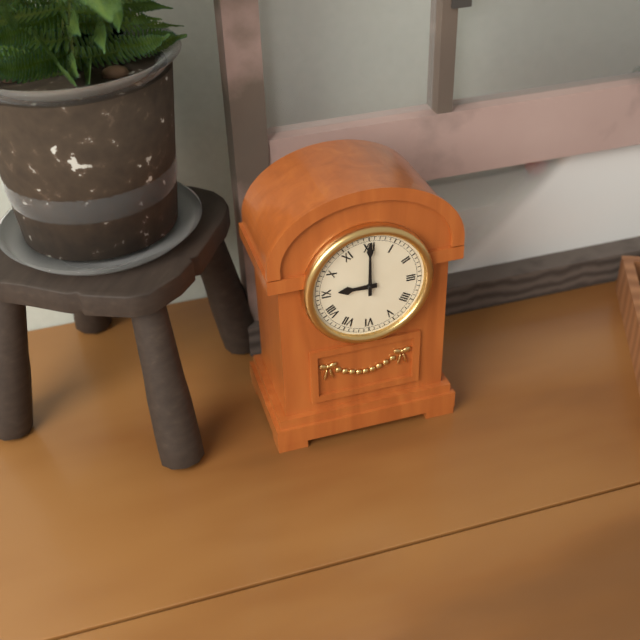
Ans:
**9:00**
